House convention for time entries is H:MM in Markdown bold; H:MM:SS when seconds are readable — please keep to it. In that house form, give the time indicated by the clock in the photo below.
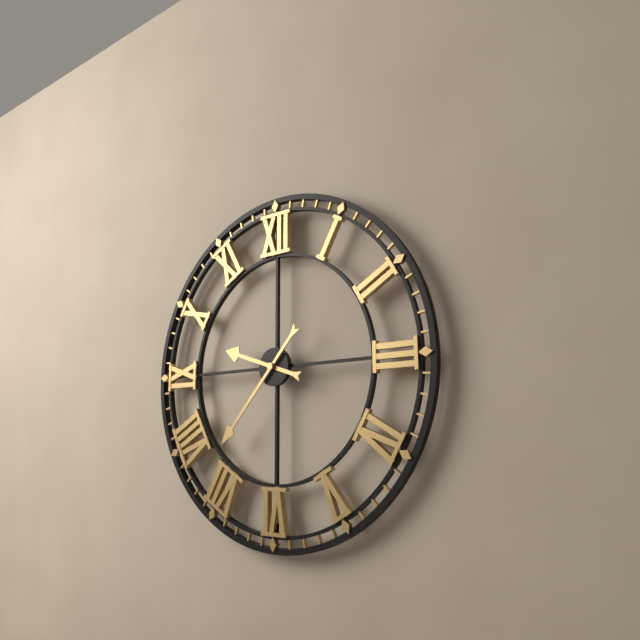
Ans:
**9:37**
